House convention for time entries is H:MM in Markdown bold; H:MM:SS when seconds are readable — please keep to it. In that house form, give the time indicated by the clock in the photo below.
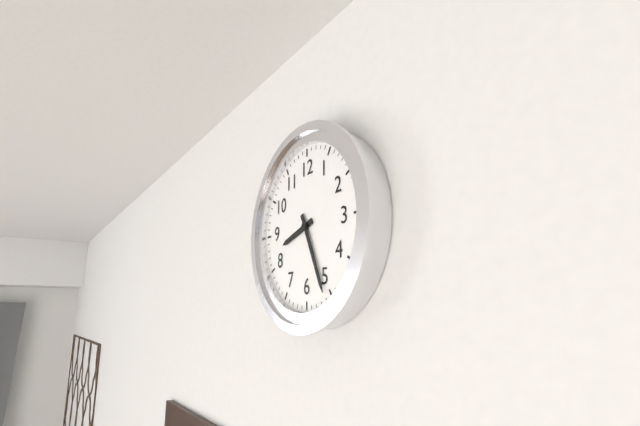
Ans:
**8:26**
